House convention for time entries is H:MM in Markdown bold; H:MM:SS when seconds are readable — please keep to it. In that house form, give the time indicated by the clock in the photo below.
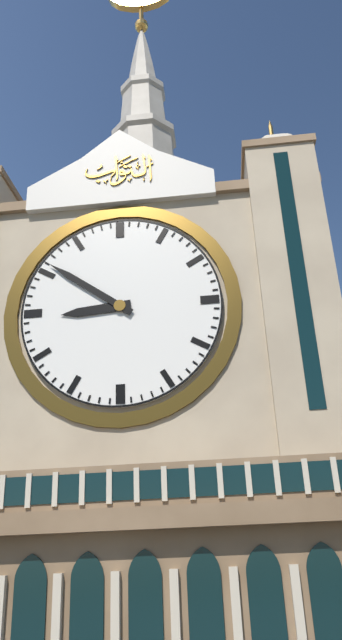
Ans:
**8:51**
